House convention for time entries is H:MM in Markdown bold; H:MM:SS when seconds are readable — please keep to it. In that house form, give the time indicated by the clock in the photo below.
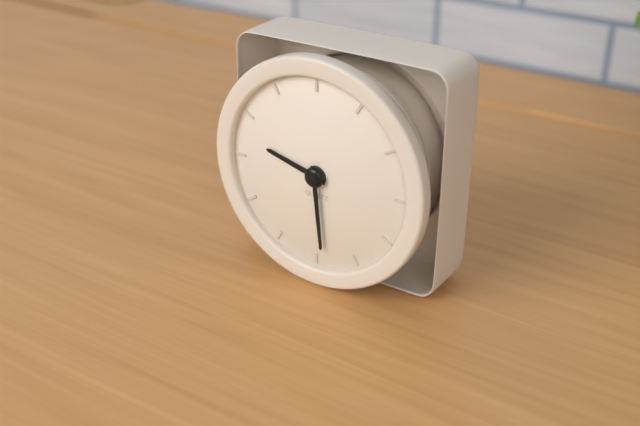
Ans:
**9:29**
